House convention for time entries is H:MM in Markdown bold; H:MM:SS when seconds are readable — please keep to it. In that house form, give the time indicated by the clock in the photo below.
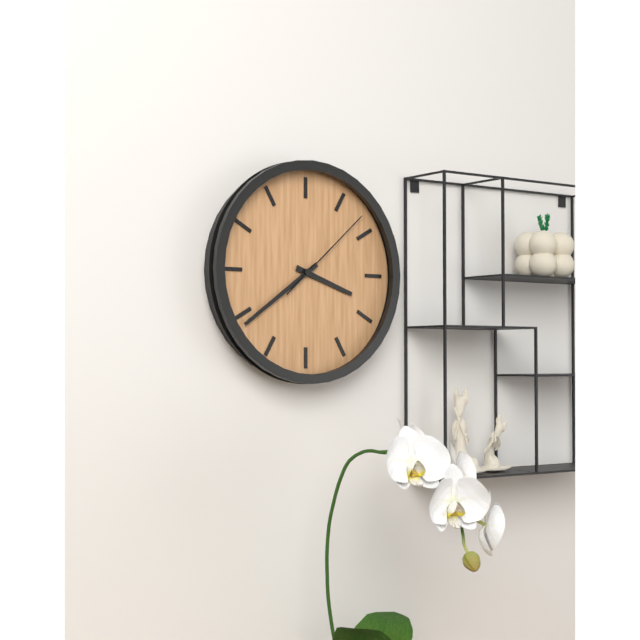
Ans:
**3:39:08**
